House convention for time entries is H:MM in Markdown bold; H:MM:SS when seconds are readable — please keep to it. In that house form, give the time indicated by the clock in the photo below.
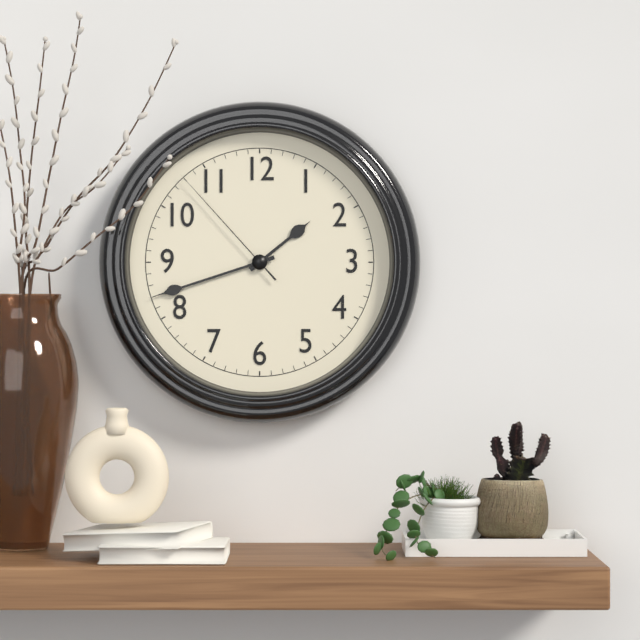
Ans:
**1:42:53**
